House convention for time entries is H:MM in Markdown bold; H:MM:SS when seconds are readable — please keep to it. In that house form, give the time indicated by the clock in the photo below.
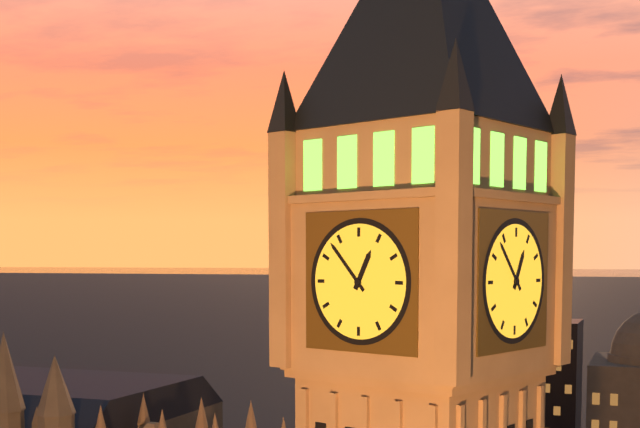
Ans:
**12:53**
